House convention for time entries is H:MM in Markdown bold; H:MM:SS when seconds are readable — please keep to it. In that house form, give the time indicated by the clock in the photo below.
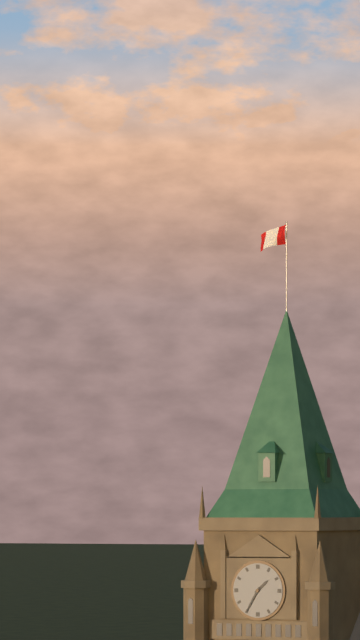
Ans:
**1:35**
